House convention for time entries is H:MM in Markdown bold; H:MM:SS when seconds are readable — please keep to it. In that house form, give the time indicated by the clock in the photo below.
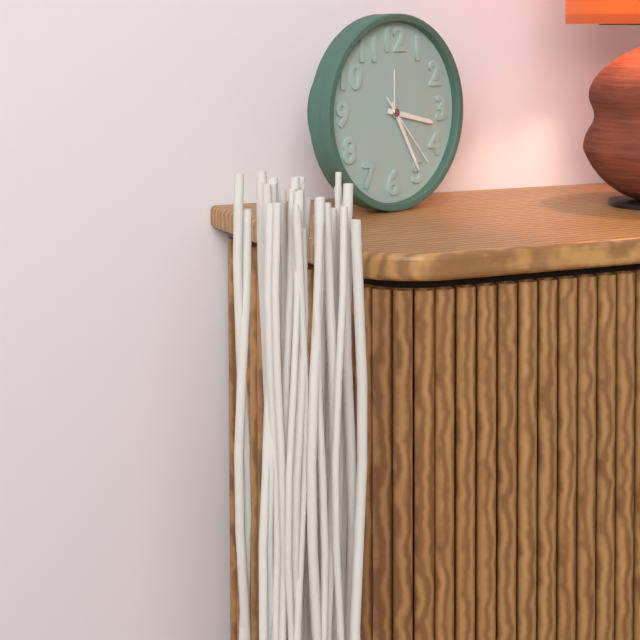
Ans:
**3:25:23**
